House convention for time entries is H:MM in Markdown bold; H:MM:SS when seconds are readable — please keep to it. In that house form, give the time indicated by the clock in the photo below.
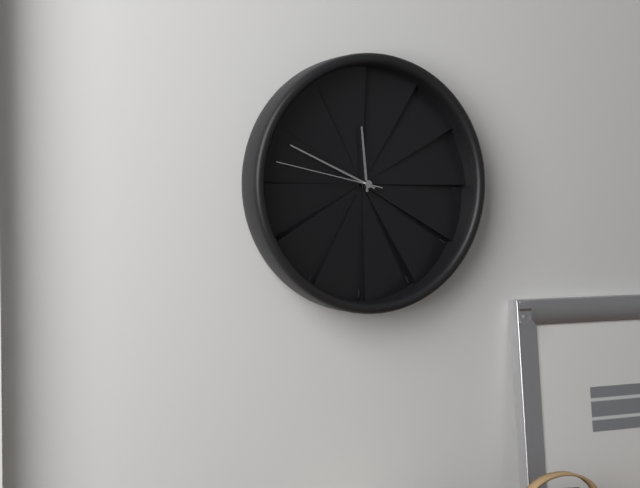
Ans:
**11:49:47**
